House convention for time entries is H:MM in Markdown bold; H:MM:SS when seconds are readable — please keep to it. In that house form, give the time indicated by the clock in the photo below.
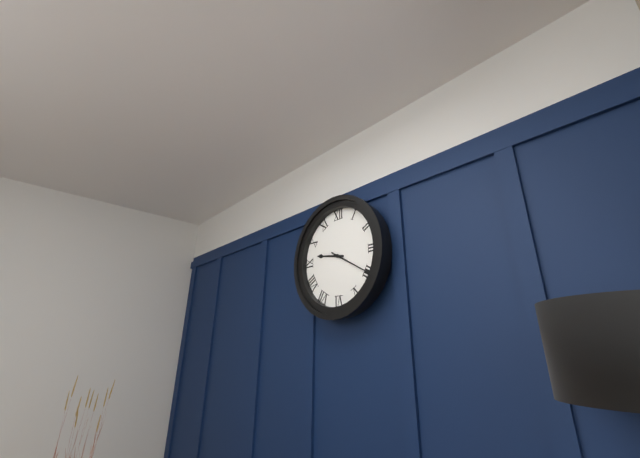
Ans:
**9:20**
